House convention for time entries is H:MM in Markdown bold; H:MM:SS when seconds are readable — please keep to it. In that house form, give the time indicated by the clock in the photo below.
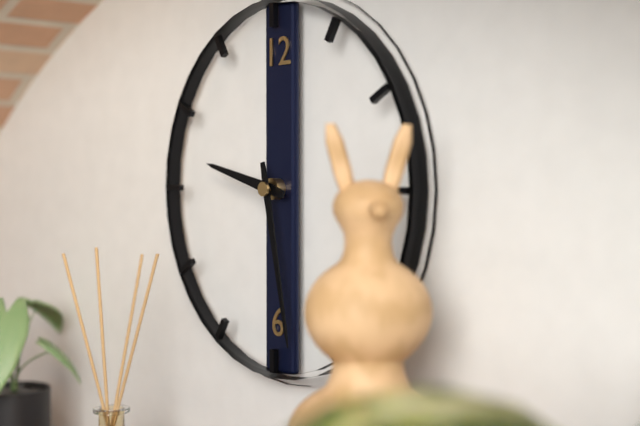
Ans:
**9:28**
